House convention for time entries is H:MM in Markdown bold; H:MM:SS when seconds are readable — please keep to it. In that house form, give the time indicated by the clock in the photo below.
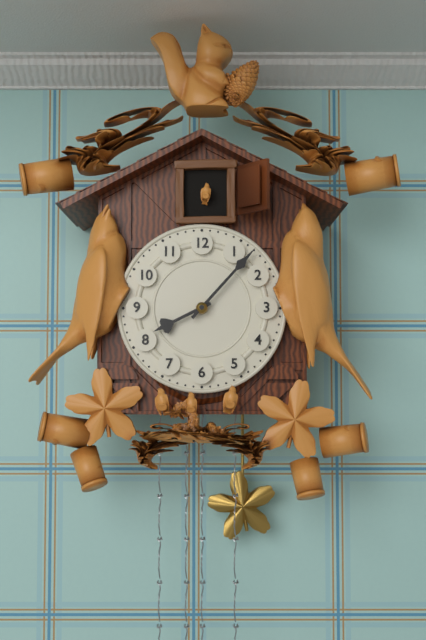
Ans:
**8:07**
